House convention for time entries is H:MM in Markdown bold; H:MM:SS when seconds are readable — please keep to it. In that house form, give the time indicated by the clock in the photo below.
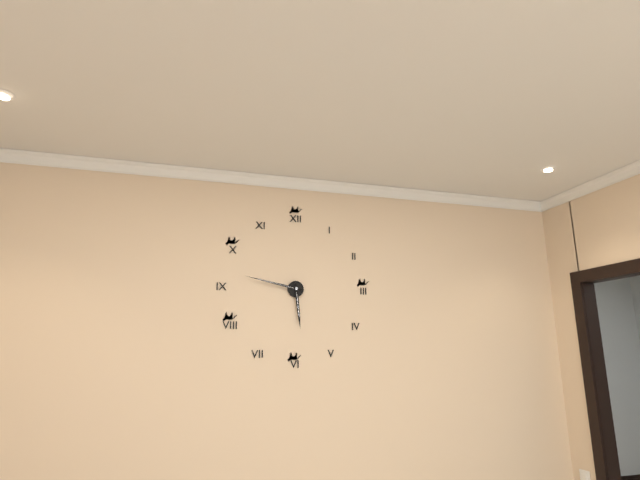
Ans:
**5:47**
